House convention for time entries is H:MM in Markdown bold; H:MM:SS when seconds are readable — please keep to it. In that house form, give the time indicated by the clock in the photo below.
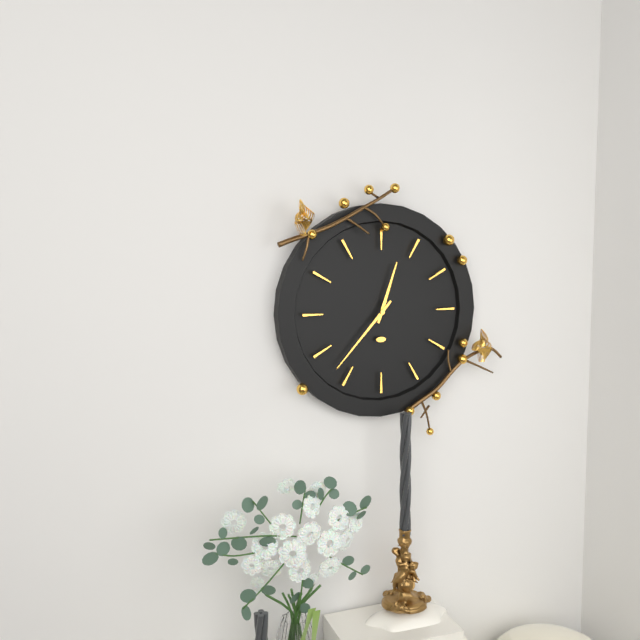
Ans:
**12:37**
